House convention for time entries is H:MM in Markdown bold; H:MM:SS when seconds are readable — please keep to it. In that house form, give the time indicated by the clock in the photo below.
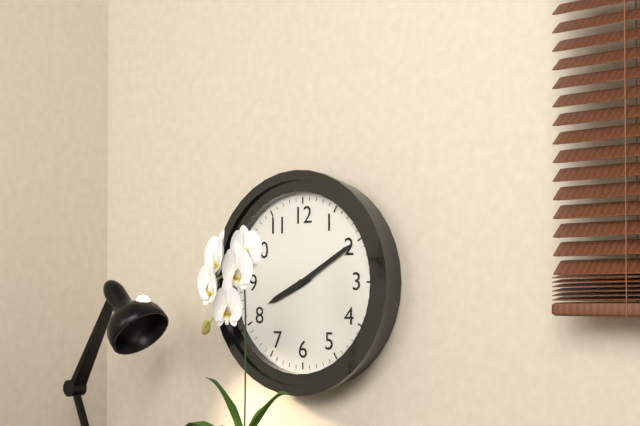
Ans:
**8:10**
